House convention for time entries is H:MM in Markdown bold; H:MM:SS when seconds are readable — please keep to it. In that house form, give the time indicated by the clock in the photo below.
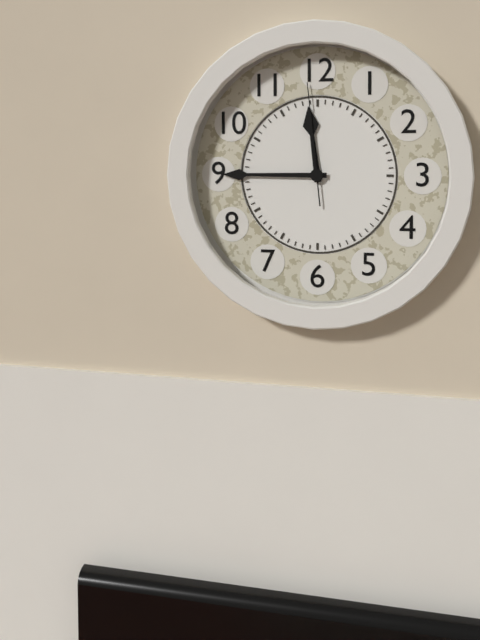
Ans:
**11:45:59**
